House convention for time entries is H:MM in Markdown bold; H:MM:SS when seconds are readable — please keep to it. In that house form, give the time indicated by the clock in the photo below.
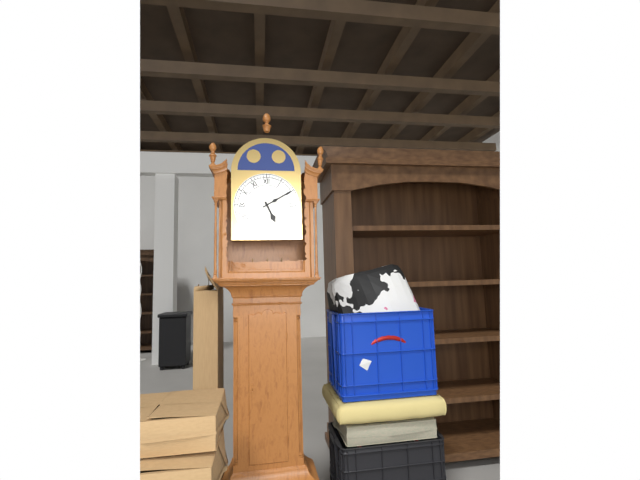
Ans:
**5:10**
